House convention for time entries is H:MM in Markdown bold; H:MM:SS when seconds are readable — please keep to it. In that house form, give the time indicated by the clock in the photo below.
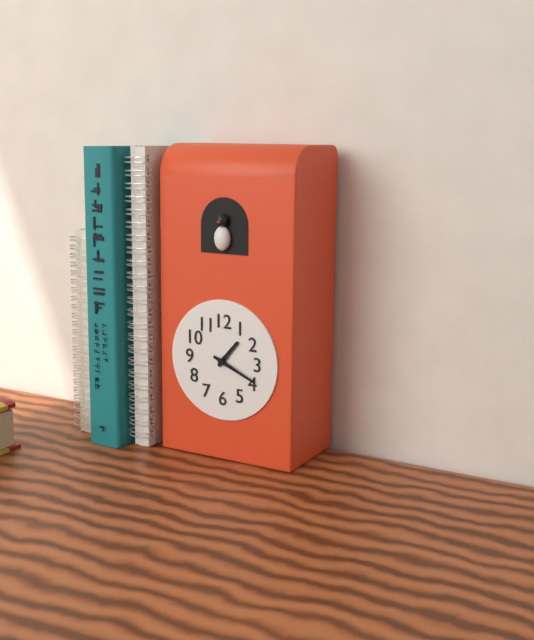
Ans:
**1:19**
